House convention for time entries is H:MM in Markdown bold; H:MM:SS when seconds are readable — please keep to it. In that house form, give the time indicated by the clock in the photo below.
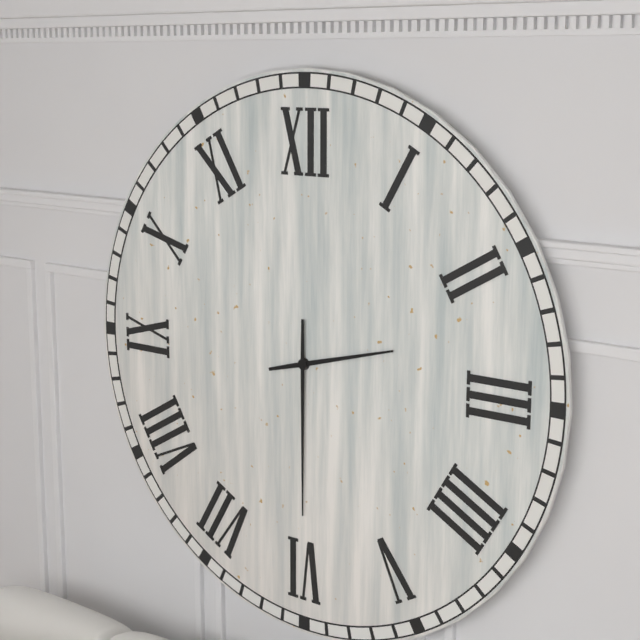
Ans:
**2:30**
